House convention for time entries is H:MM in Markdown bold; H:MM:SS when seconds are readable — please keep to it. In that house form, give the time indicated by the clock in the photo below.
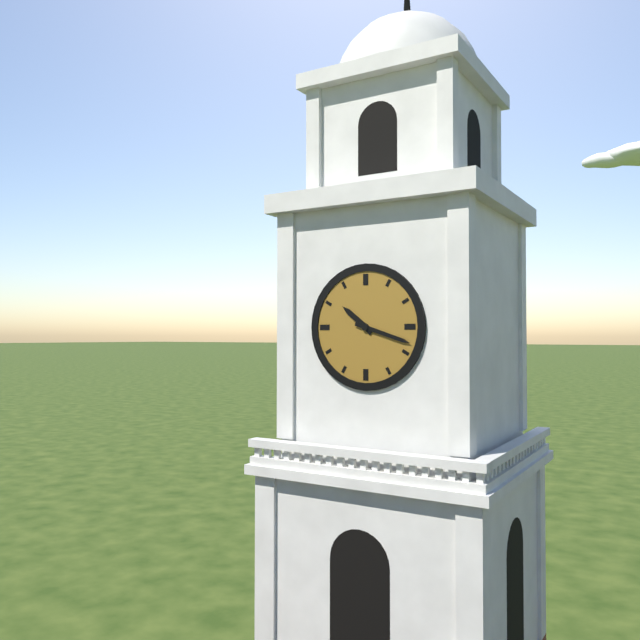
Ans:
**10:18**
